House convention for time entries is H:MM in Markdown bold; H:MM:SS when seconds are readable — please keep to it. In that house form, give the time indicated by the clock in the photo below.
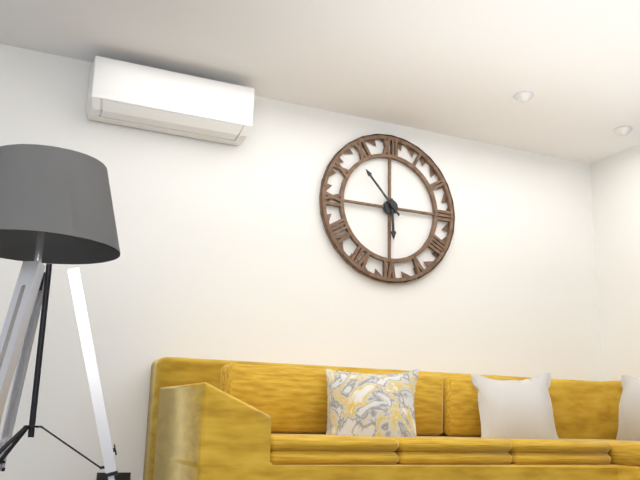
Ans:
**5:53**
